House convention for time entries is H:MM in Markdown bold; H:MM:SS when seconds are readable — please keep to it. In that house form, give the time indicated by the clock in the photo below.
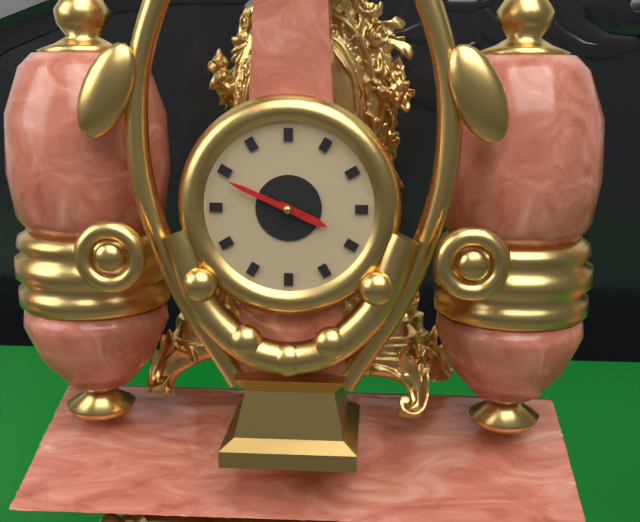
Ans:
**3:49**
